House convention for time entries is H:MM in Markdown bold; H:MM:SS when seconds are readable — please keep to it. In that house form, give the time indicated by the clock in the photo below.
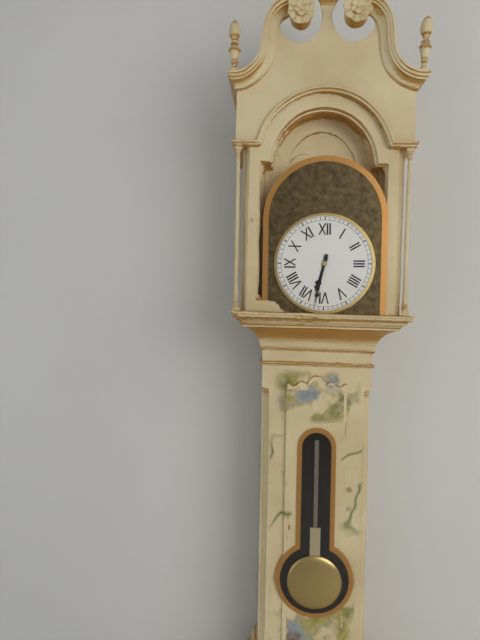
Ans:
**6:32**
